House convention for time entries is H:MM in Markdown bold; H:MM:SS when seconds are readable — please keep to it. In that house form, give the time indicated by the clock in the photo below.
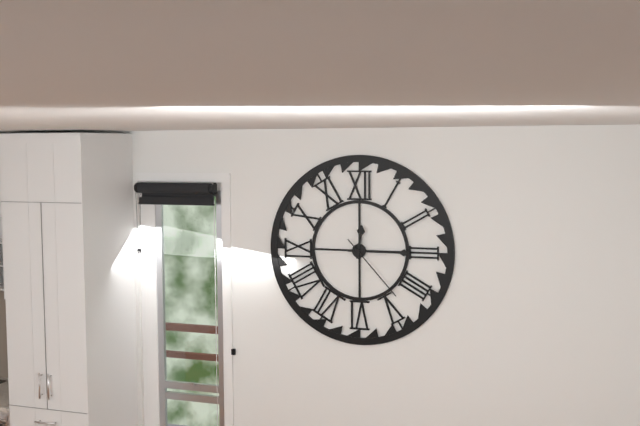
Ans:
**12:15:23**
